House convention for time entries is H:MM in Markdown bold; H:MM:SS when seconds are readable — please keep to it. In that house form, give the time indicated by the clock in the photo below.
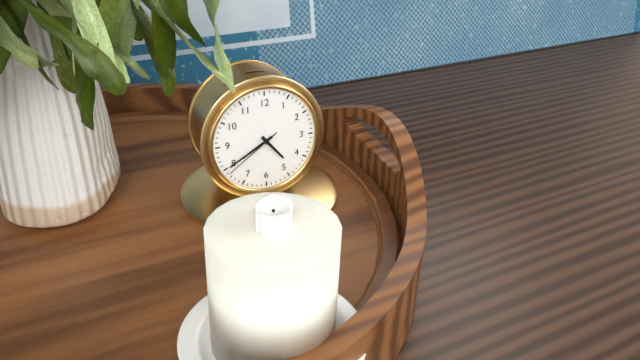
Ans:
**4:40:39**
